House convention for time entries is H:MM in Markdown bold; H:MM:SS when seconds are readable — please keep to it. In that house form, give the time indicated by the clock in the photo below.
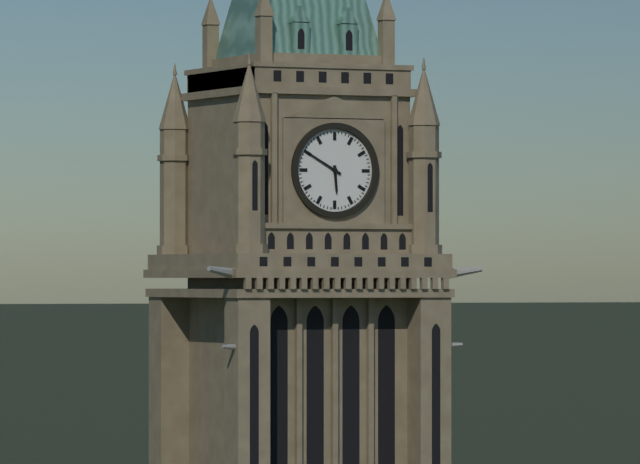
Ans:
**5:50**
